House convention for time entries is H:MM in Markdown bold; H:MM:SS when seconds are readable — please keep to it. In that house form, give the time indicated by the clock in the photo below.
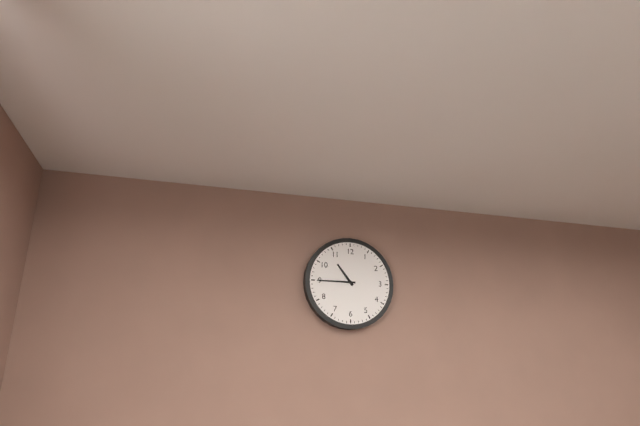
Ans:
**10:45**
